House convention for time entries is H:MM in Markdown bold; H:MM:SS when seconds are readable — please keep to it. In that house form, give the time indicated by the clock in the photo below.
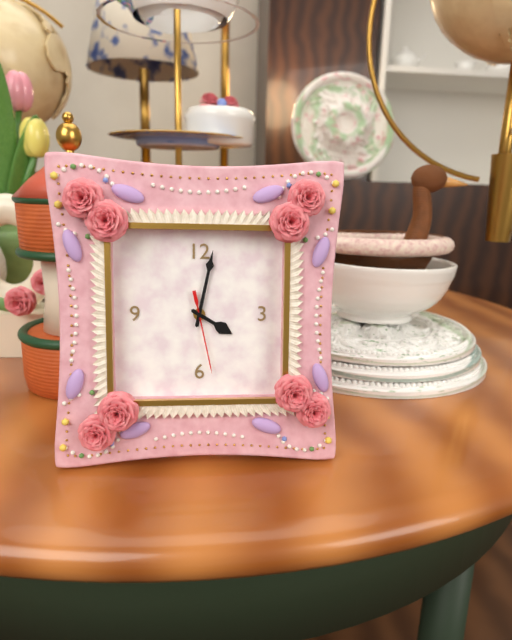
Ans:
**4:02:28**
